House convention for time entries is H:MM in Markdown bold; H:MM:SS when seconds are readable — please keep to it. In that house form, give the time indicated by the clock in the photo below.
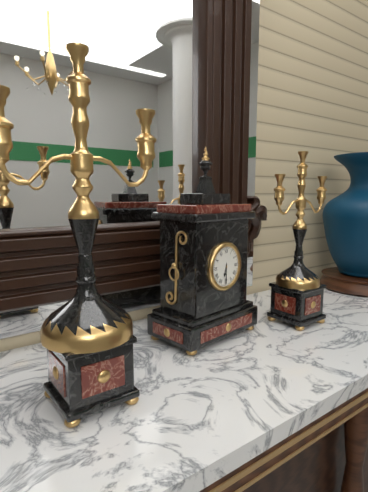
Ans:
**6:30**
